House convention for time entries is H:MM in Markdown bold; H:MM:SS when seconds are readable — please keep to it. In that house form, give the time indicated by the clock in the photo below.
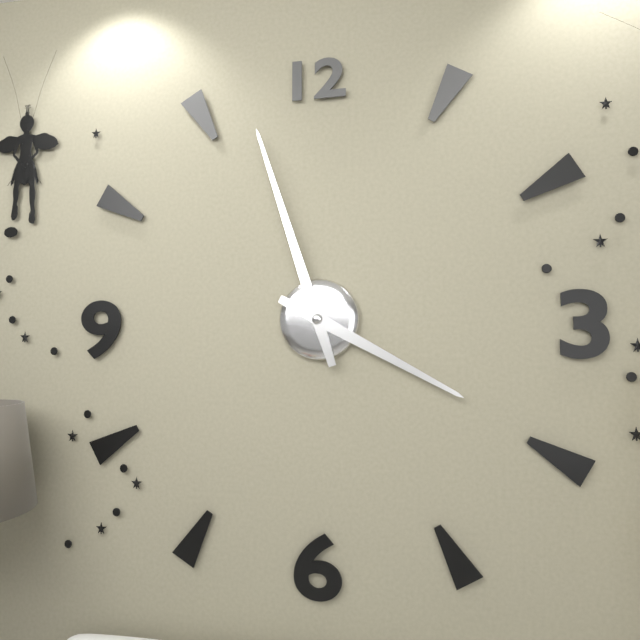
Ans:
**3:57**
